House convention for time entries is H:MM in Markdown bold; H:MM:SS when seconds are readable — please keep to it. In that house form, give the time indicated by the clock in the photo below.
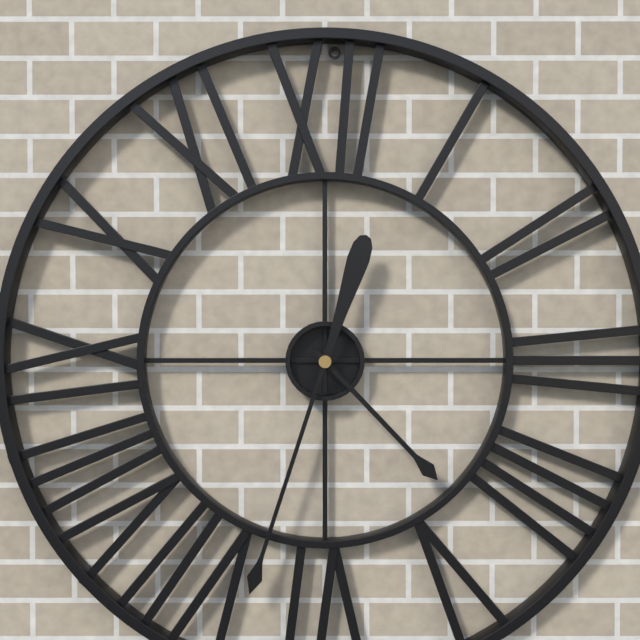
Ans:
**4:33**
